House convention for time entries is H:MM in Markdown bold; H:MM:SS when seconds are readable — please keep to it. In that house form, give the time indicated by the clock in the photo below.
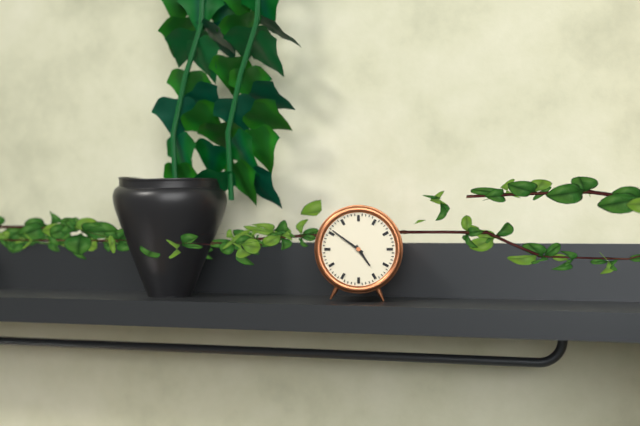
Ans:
**4:51**
